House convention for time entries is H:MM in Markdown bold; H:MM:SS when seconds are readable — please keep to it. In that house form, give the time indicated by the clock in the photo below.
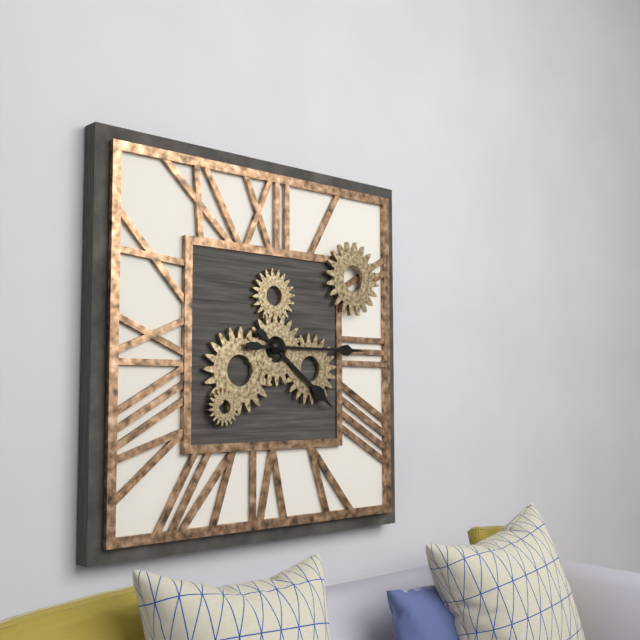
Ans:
**4:15**
